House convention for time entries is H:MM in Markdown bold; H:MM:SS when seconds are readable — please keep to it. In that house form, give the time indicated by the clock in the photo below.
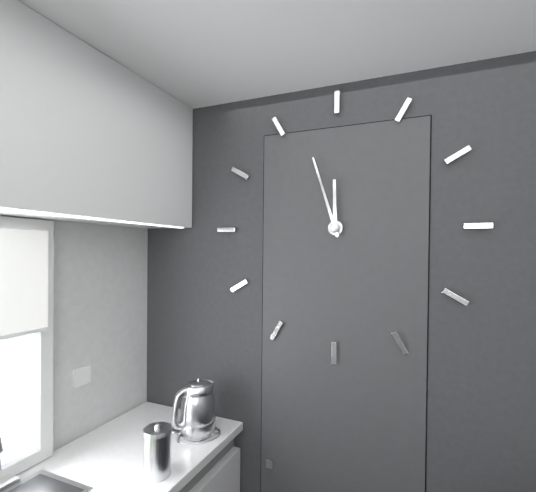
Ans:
**11:57**
